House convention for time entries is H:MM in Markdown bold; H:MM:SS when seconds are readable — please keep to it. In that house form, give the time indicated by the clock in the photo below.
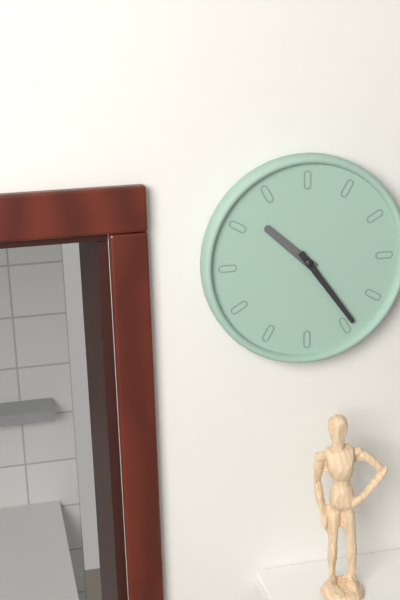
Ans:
**10:24**
